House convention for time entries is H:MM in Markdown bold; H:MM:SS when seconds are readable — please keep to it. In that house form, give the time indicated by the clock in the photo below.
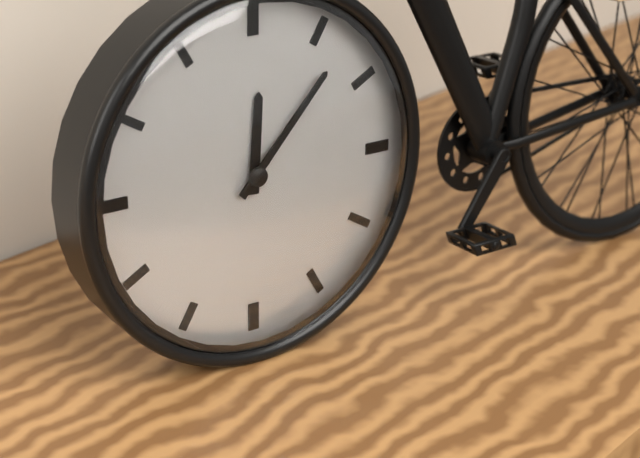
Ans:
**12:07**
